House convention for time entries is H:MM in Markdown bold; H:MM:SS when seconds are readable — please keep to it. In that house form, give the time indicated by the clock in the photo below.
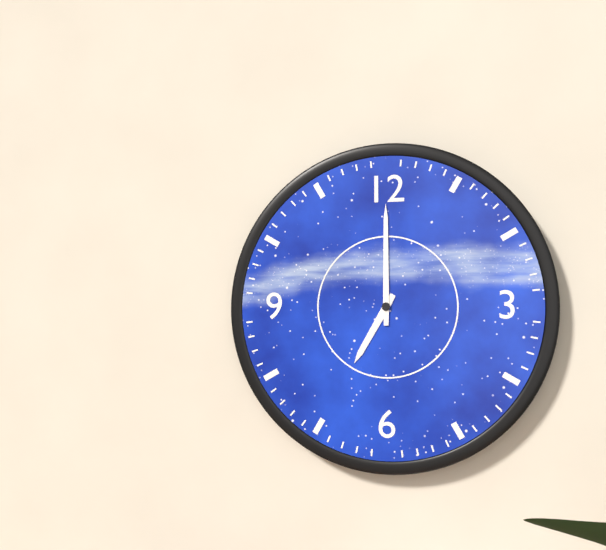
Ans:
**7:00**
